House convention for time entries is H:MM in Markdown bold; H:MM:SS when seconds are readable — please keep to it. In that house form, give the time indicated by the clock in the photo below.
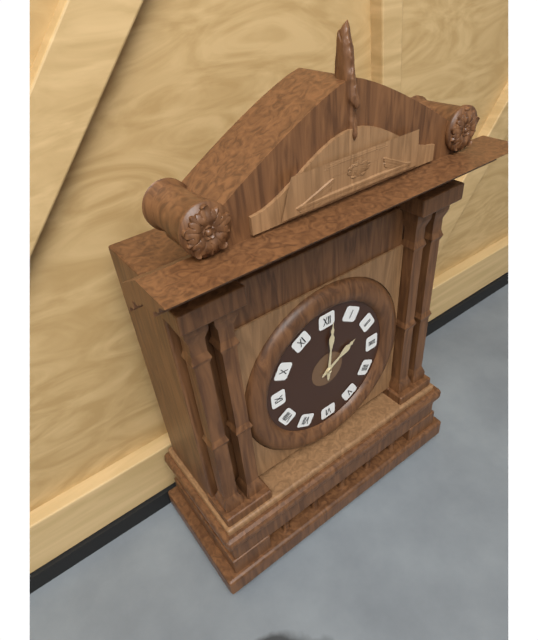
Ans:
**2:01**
